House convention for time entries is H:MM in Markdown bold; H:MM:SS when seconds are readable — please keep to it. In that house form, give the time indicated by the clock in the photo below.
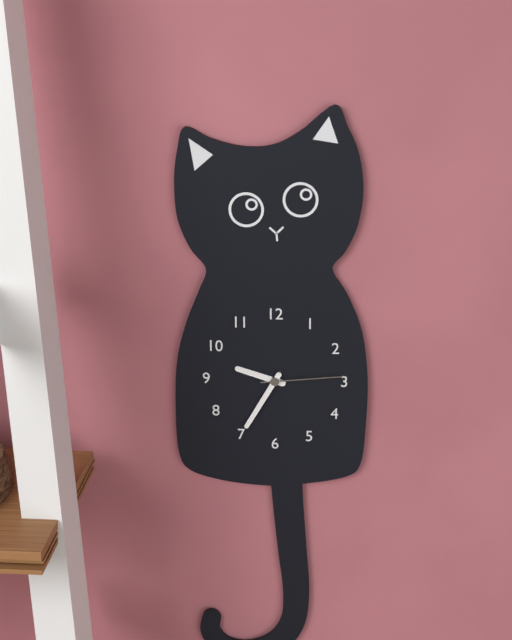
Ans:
**9:35:14**
